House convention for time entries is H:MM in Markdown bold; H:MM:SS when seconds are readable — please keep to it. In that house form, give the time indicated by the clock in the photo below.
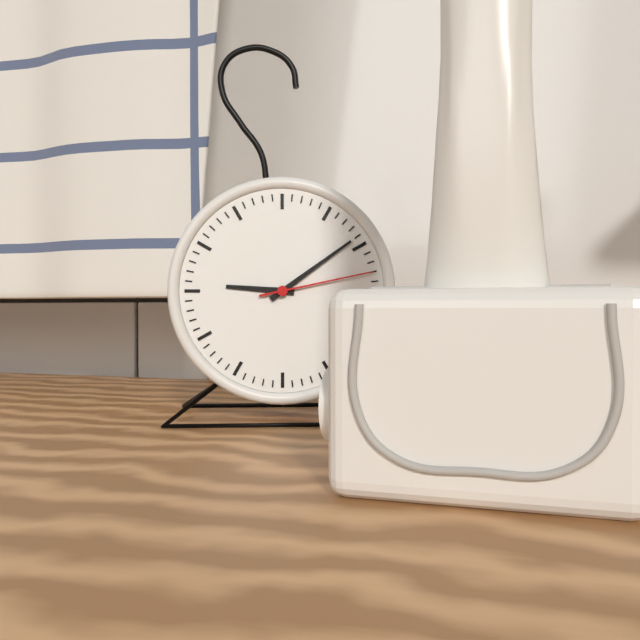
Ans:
**9:09:13**
